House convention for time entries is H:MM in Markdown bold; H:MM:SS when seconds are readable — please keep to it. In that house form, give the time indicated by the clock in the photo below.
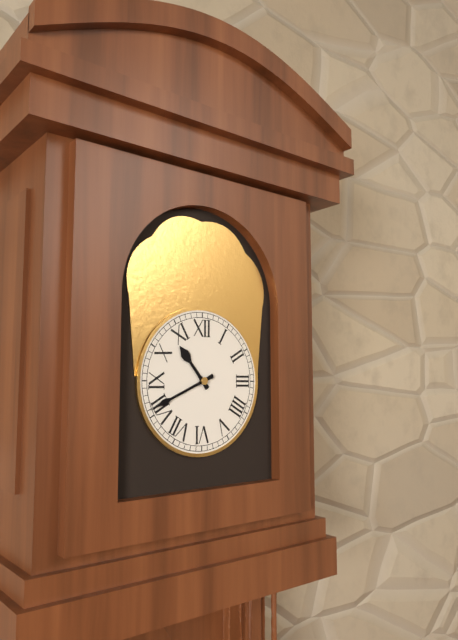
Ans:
**10:41**
